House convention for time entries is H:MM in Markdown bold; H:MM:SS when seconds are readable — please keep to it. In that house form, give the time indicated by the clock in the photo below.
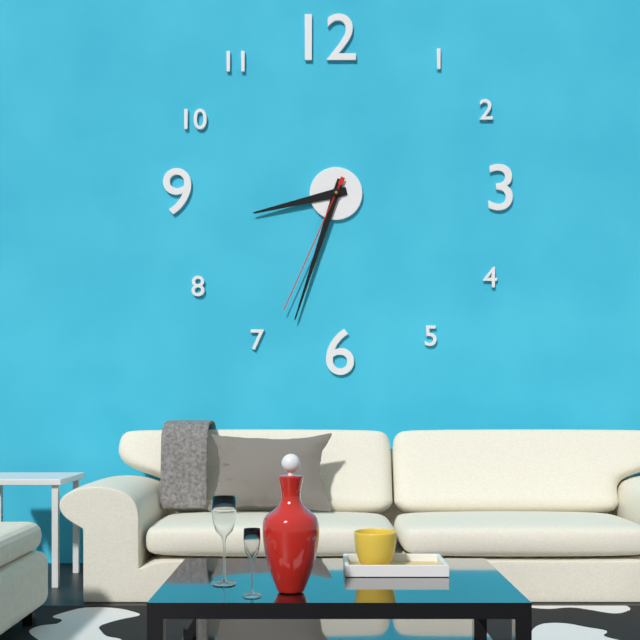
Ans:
**8:33:34**
